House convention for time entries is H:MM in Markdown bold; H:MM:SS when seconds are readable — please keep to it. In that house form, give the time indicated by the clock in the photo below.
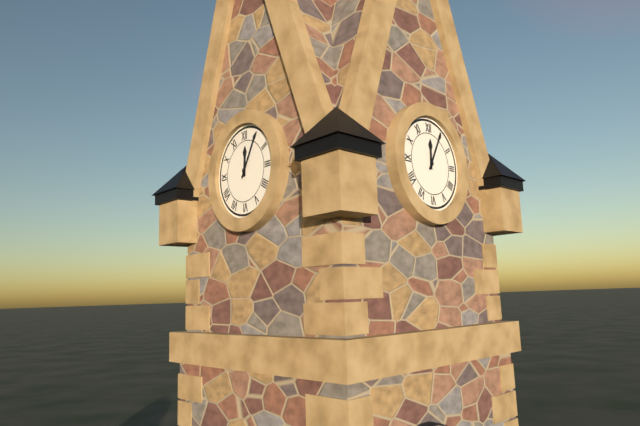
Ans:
**12:05**
